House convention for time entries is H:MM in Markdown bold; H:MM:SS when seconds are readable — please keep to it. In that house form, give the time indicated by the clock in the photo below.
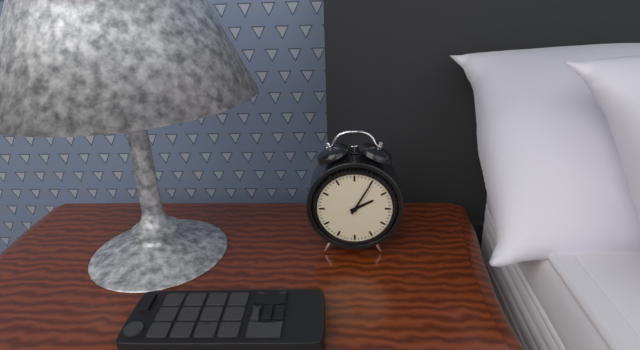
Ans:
**2:05**
